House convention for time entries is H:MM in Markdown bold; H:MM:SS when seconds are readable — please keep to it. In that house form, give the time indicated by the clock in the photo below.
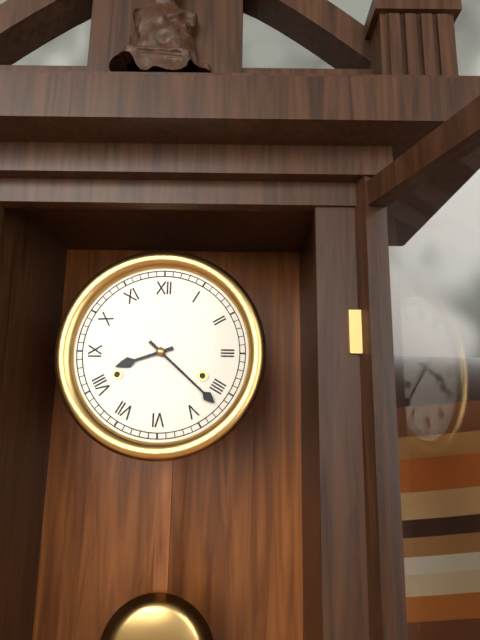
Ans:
**8:22**
